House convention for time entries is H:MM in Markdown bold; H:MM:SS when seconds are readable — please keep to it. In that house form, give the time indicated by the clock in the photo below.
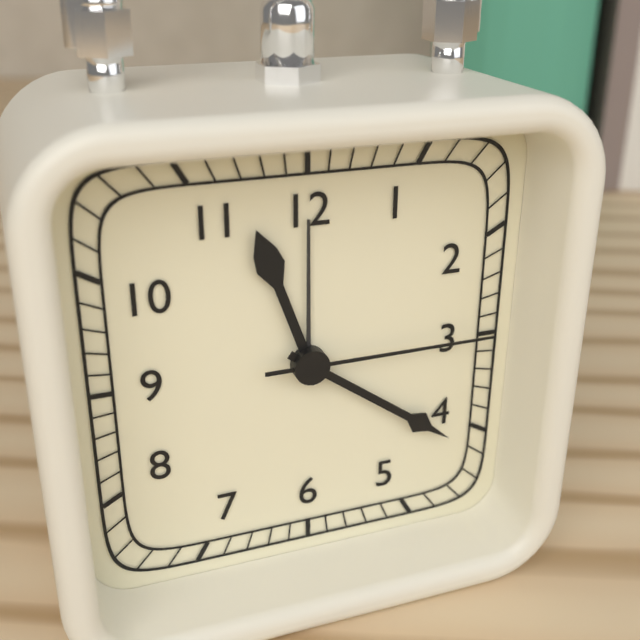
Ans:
**11:21:15**
